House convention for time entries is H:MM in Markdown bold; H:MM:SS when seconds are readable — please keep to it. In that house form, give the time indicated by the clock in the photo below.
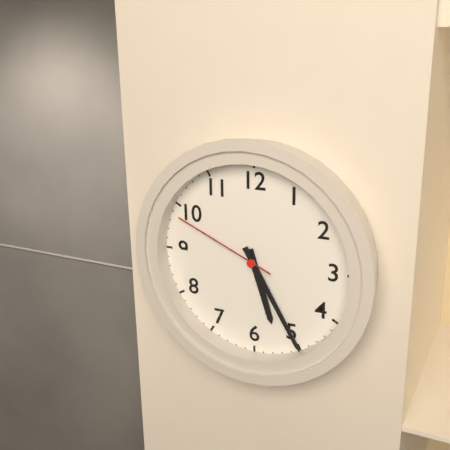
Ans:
**5:25:49**
